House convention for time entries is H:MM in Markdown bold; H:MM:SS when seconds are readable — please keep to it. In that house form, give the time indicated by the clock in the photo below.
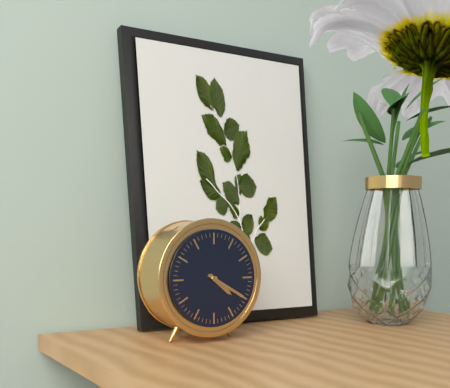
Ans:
**4:20**
